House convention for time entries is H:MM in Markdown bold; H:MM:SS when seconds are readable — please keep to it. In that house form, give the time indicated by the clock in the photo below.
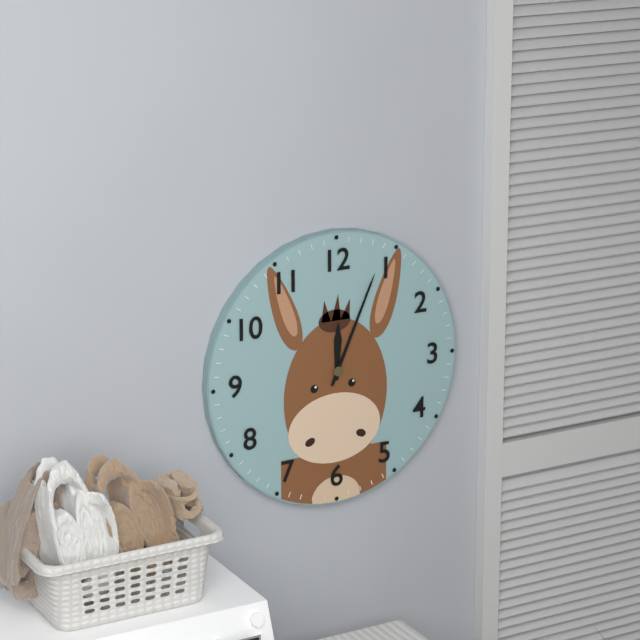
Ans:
**12:04**
